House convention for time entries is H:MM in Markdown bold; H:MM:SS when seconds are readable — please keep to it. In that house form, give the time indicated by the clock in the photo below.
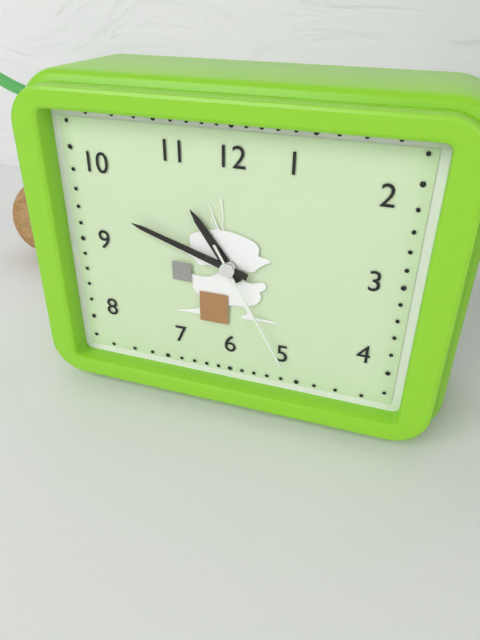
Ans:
**10:48:25**
